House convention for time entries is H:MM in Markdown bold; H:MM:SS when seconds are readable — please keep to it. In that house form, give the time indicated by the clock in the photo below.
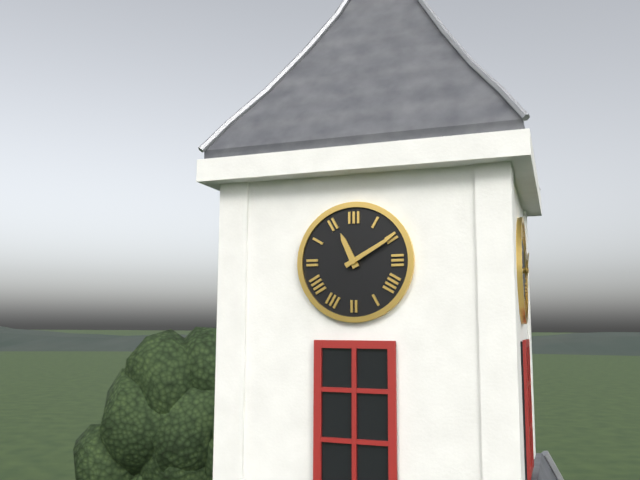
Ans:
**11:10**
